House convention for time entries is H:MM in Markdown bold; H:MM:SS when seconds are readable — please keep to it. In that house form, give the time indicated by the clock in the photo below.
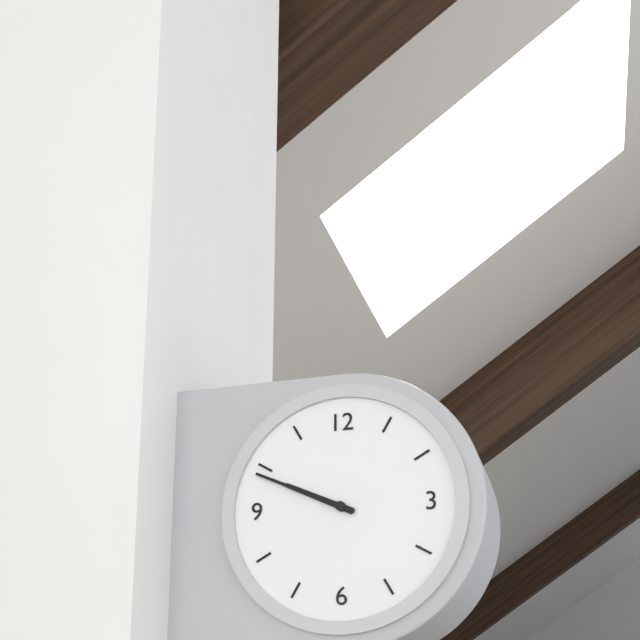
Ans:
**9:49**
